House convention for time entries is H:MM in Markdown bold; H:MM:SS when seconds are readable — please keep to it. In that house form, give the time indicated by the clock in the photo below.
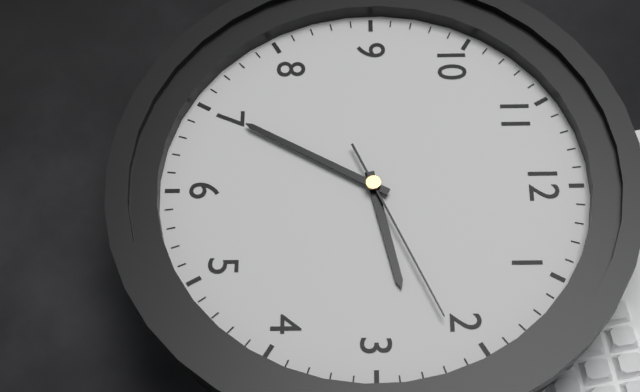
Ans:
**2:35:11**
